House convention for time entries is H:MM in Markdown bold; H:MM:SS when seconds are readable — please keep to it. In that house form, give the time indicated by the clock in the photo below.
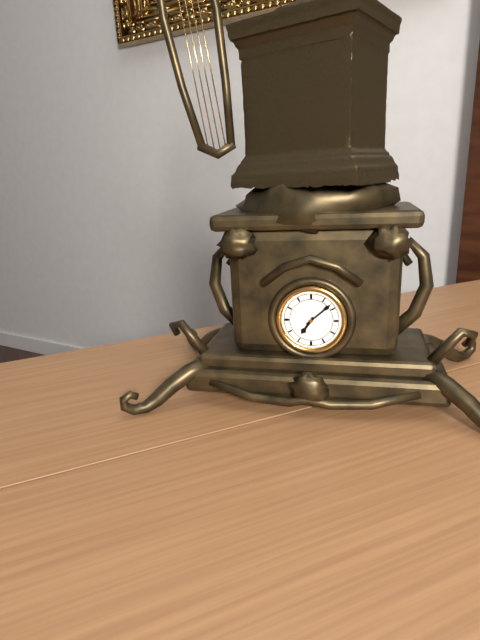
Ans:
**7:08**
